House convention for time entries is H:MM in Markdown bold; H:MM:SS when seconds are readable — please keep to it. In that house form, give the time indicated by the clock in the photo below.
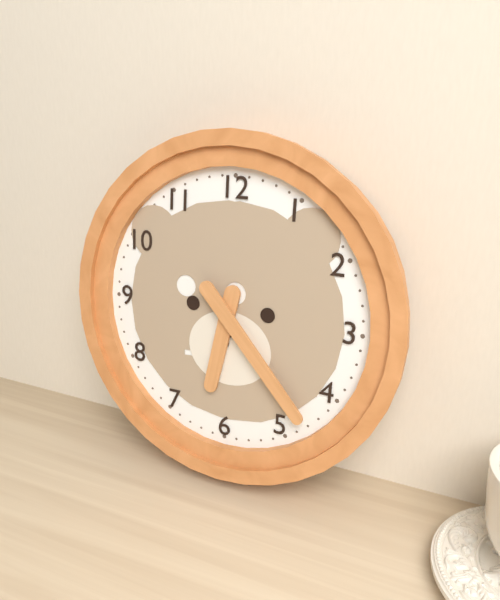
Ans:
**6:23**
